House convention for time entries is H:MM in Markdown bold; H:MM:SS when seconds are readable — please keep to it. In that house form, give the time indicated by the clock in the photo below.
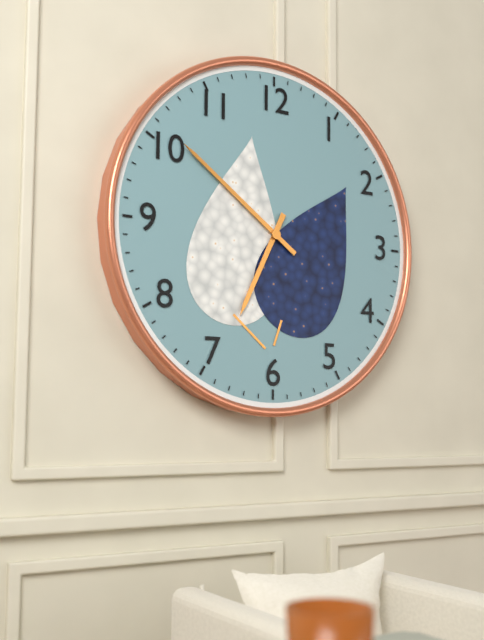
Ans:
**6:51**
